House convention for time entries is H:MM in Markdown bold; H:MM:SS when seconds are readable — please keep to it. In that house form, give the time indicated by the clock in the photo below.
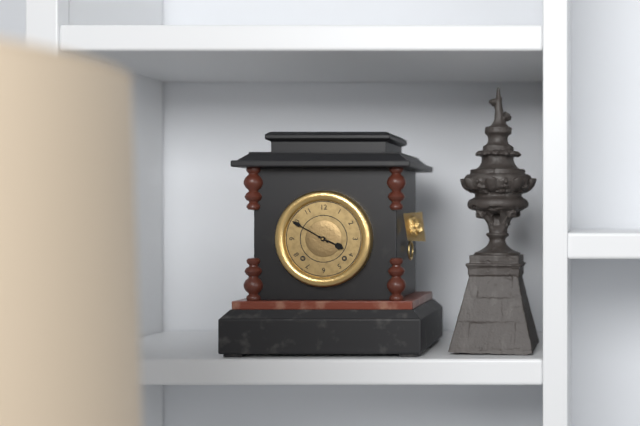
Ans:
**3:50**
